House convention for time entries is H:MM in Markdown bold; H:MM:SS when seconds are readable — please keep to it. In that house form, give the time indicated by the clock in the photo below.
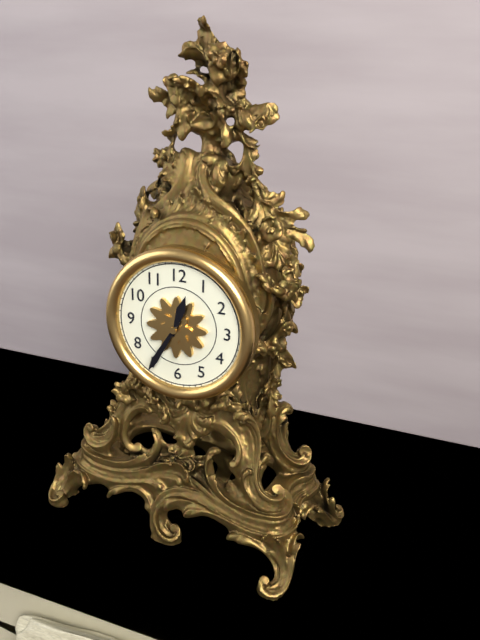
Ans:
**12:35**
